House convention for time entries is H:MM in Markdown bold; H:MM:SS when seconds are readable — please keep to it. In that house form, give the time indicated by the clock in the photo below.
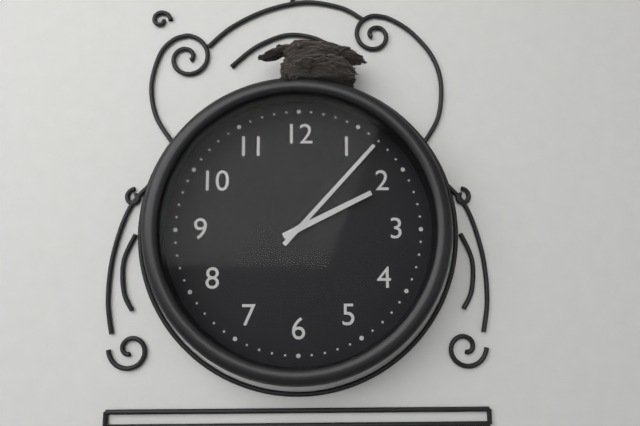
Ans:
**2:07**
